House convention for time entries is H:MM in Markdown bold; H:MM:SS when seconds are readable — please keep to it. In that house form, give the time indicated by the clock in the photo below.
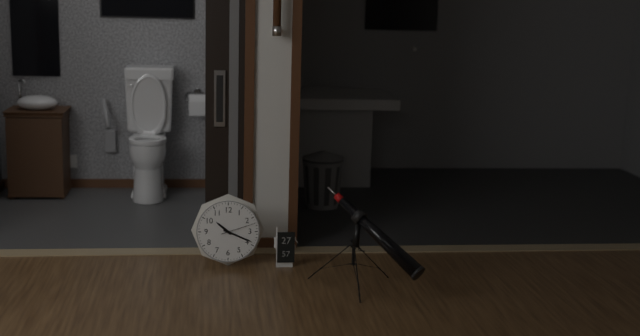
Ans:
**10:19**
